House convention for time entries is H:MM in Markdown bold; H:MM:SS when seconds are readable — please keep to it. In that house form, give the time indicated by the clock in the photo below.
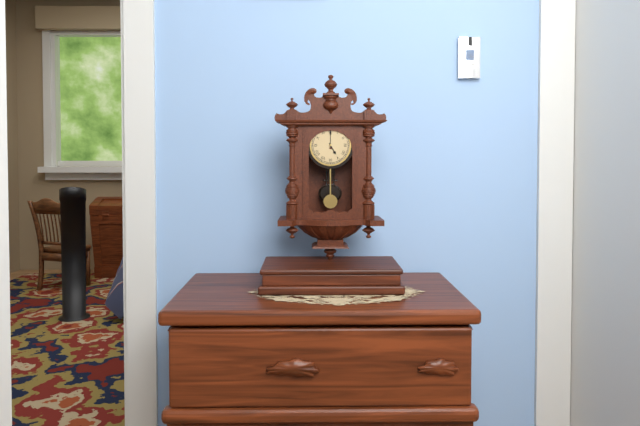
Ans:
**5:00**
